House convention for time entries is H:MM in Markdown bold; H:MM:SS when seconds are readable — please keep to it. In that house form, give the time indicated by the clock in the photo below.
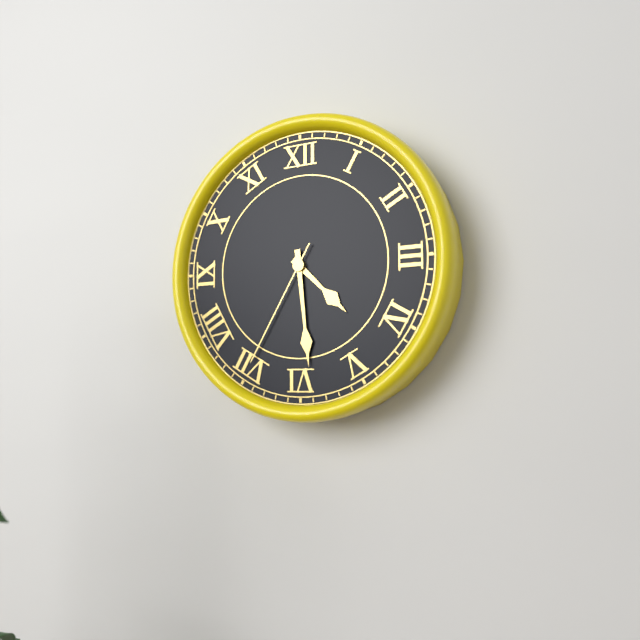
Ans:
**4:29:35**
